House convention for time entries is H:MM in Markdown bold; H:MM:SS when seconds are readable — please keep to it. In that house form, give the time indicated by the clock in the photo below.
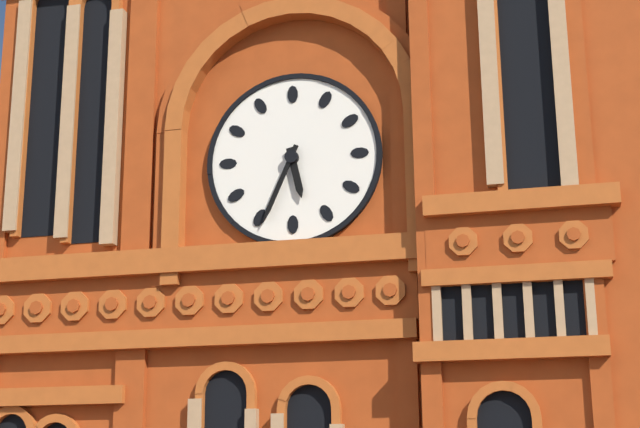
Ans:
**5:34**
